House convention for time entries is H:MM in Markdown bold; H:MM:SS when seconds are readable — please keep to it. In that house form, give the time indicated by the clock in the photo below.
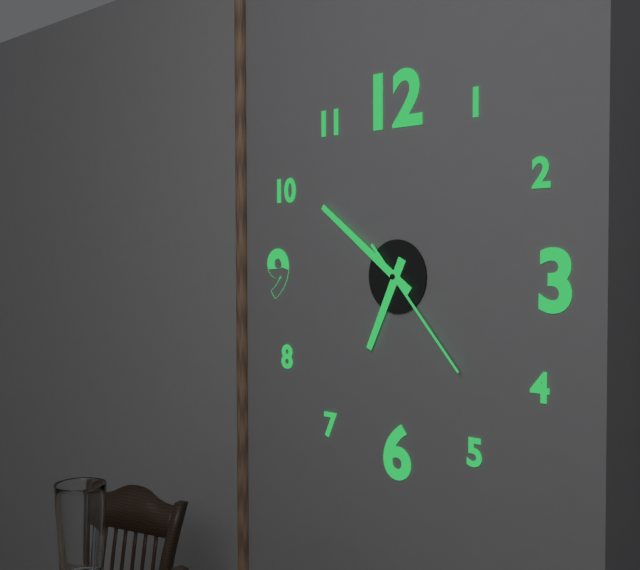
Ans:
**6:51:23**
